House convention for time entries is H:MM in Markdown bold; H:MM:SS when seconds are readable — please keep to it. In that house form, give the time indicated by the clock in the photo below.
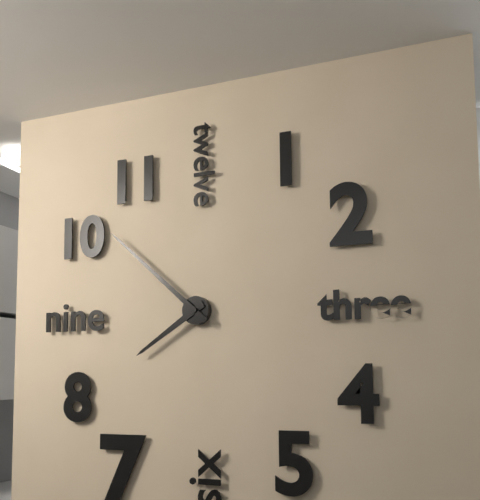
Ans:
**7:52**
